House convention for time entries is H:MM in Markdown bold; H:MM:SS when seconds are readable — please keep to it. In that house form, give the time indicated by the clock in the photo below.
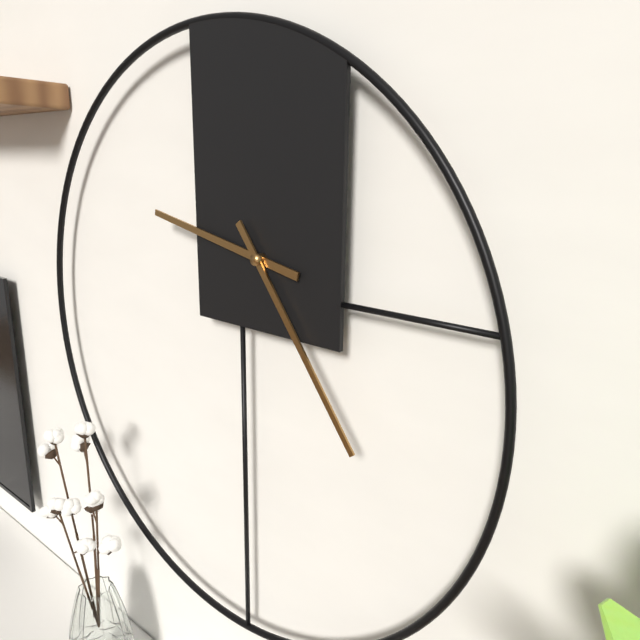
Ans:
**9:24**
